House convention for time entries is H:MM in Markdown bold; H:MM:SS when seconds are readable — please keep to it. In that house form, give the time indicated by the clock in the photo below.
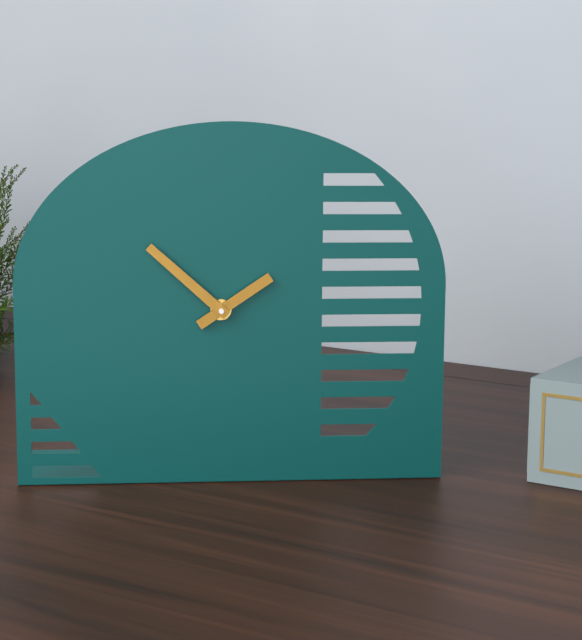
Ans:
**1:52**
